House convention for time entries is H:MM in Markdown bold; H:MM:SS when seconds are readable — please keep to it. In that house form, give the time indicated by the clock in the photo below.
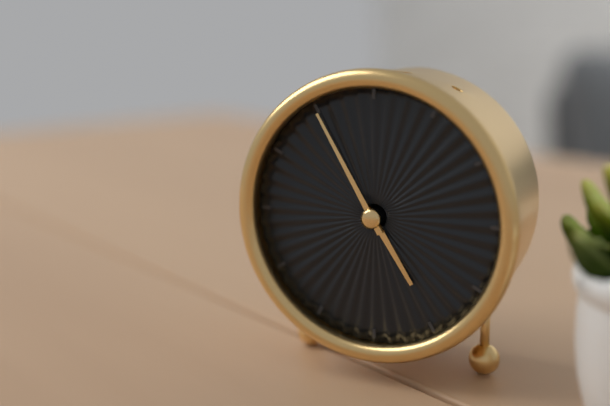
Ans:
**4:55**
